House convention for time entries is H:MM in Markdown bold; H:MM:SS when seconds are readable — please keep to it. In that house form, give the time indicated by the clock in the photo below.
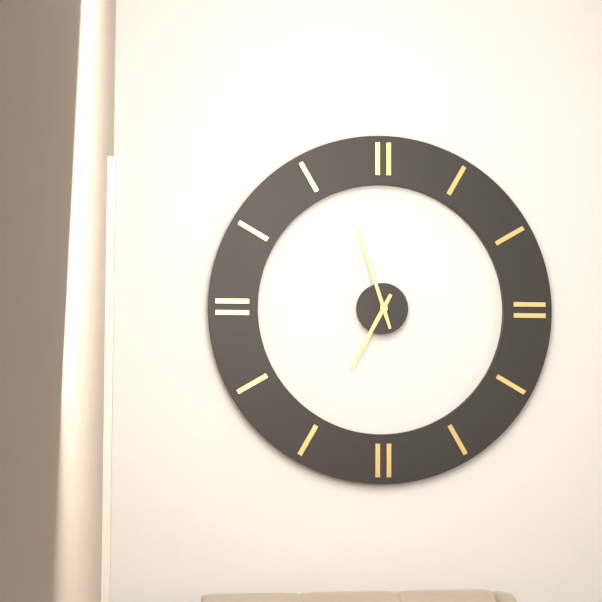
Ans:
**6:57**
